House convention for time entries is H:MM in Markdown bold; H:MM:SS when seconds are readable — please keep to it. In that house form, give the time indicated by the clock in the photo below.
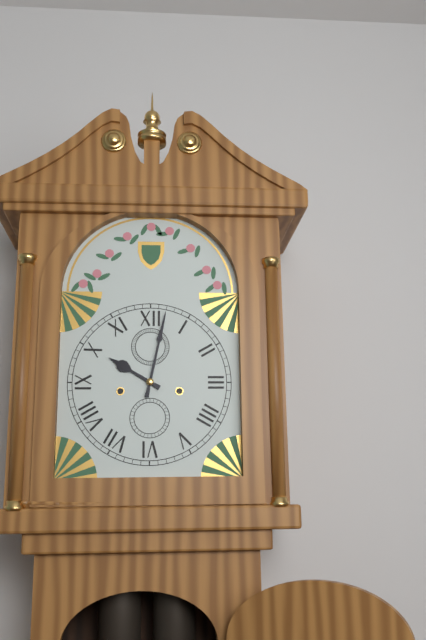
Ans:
**10:02**
